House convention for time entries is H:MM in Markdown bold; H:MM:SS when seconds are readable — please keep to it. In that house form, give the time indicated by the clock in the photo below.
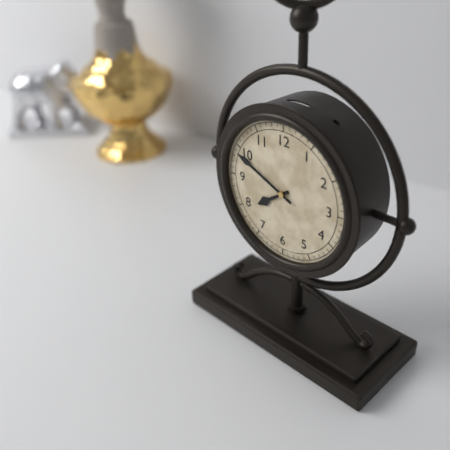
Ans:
**7:49**
